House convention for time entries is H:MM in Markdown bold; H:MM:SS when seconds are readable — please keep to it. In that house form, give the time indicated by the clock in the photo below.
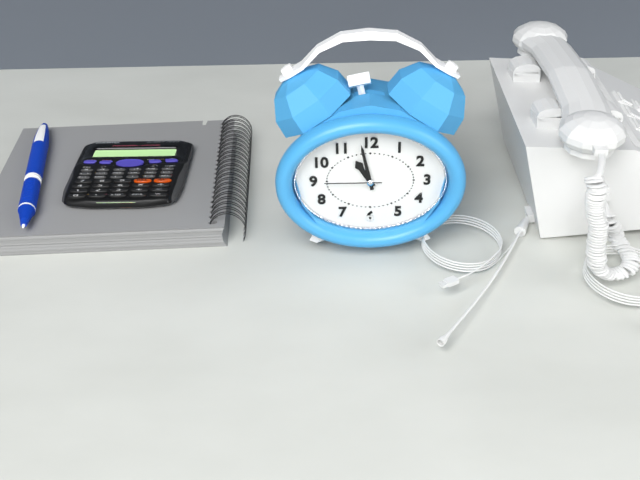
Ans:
**10:58:45**
